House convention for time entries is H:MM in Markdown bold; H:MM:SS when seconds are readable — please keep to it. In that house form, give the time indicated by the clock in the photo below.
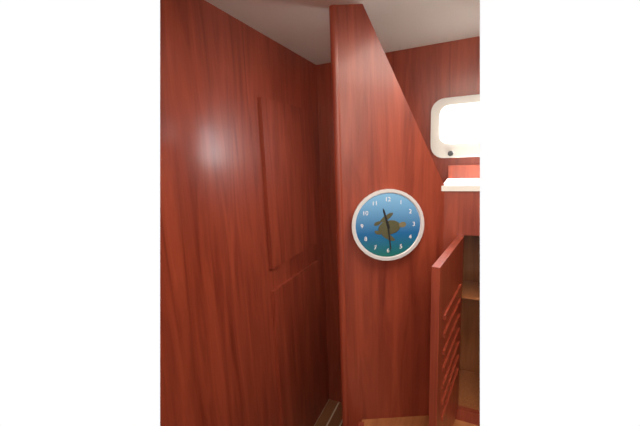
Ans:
**11:29**
